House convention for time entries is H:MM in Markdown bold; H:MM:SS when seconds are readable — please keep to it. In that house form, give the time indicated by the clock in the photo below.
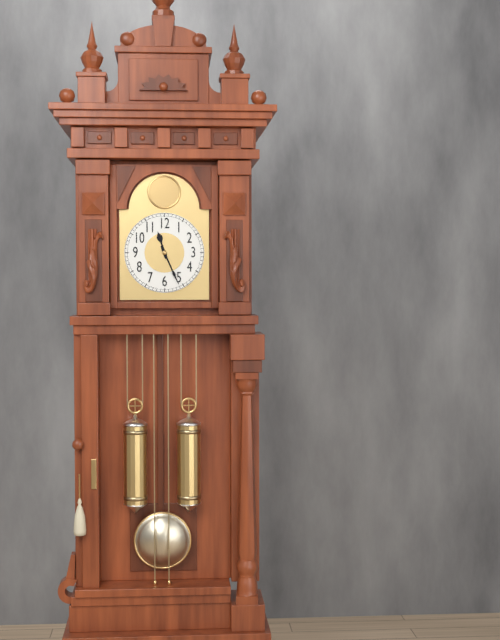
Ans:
**11:26**
